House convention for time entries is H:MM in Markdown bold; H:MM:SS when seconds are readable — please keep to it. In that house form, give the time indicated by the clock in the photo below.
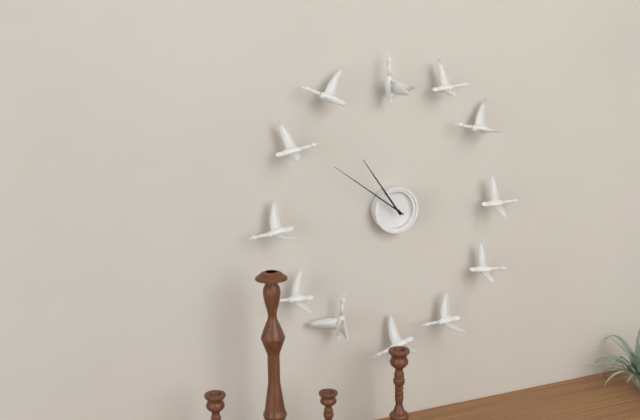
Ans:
**10:51**
